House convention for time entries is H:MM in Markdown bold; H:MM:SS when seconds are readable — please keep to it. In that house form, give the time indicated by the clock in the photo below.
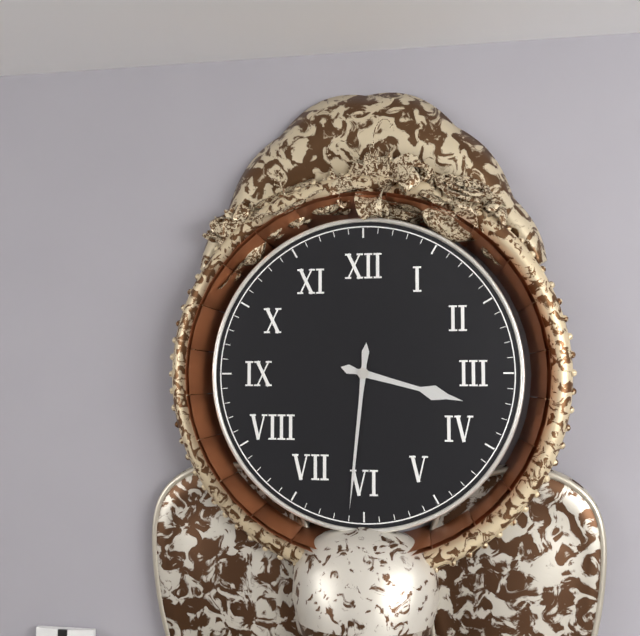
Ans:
**3:31**
